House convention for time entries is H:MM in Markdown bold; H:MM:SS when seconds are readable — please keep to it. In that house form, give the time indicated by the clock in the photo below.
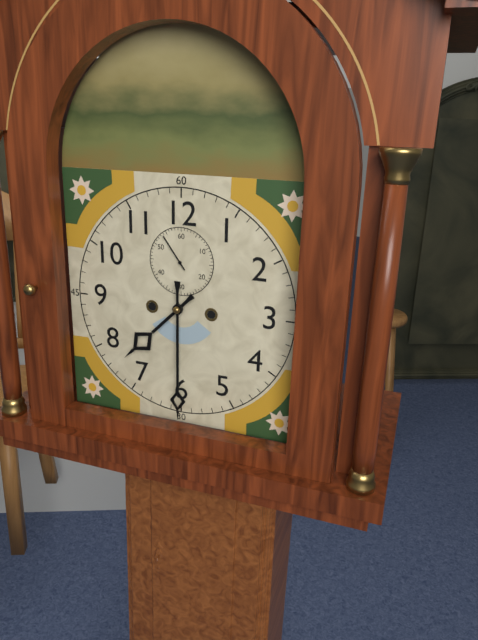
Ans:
**7:30**
